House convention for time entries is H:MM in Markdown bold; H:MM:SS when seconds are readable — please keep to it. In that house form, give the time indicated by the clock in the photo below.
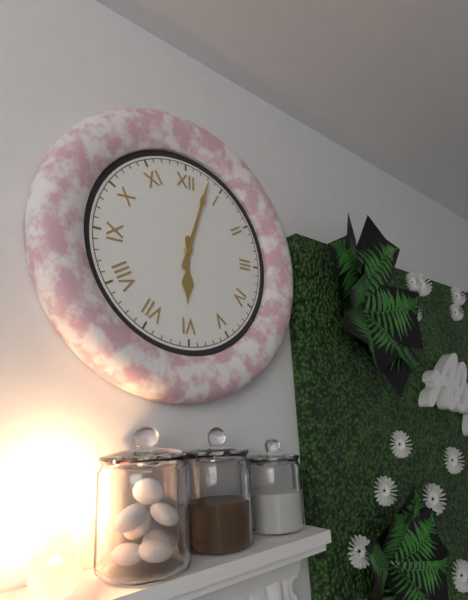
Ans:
**6:03**
